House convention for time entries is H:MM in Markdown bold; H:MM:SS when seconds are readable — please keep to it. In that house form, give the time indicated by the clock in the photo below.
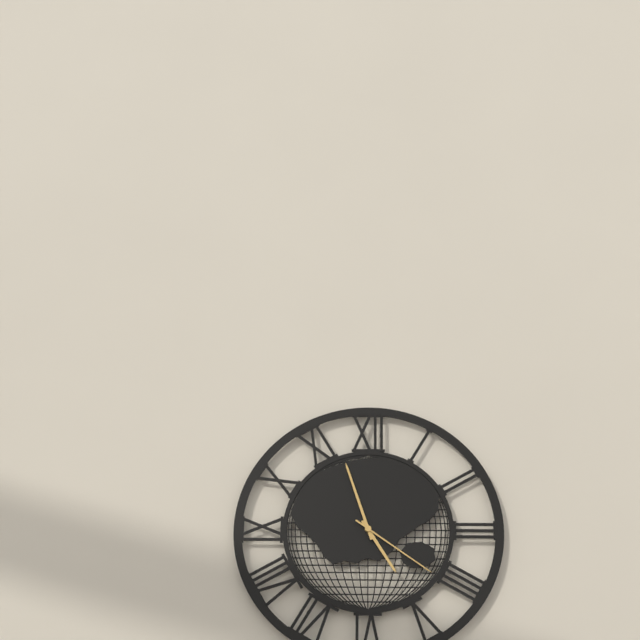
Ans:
**4:57:21**
